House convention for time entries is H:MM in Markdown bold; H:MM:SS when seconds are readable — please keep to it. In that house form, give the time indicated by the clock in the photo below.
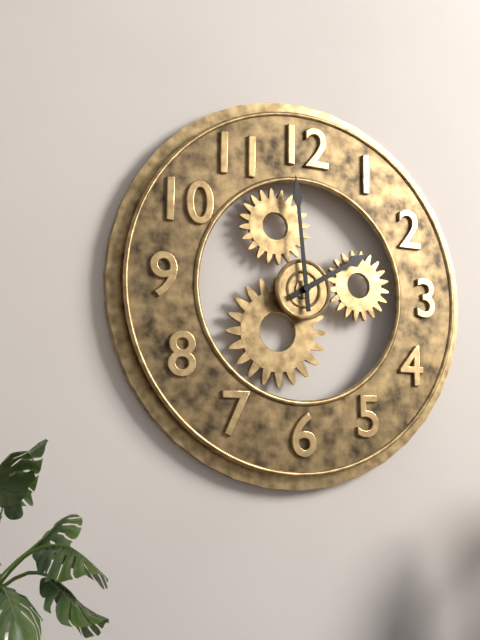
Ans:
**1:59**
